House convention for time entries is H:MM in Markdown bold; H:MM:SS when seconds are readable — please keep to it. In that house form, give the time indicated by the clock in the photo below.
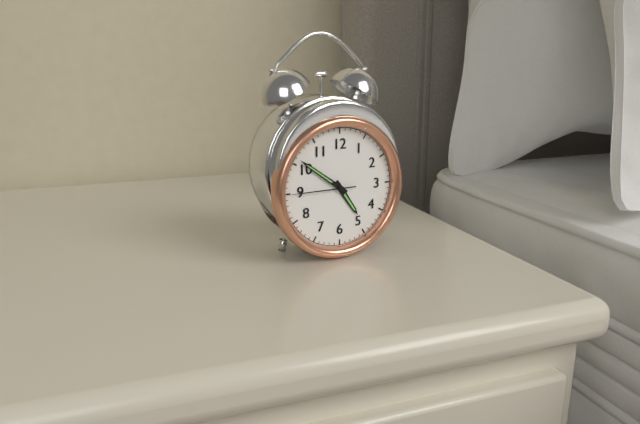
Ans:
**4:51:45**
